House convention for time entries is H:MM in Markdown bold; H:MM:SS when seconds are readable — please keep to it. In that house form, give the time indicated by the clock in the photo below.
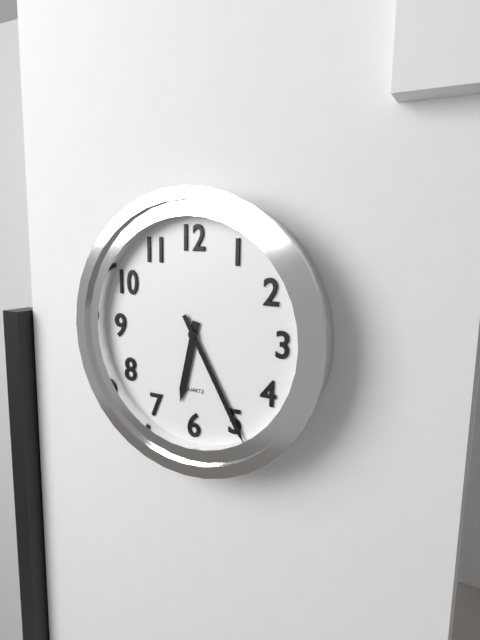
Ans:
**6:25**
